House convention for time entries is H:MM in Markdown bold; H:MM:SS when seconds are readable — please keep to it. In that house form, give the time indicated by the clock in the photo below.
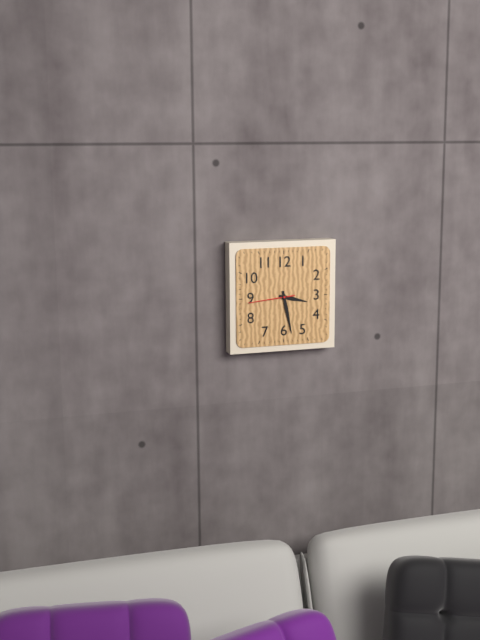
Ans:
**3:28**
